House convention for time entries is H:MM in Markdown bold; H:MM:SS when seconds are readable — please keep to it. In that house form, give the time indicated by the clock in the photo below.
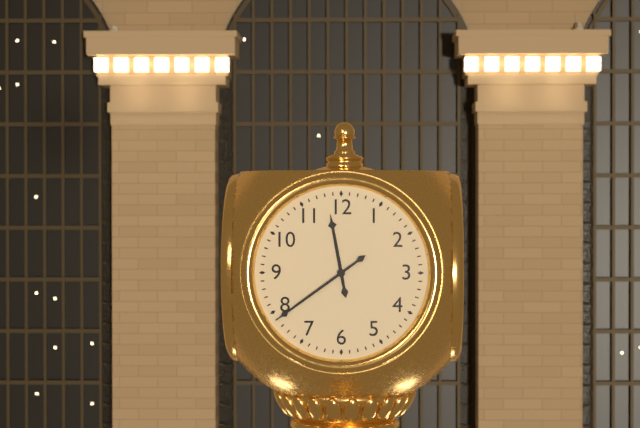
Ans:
**11:39**
